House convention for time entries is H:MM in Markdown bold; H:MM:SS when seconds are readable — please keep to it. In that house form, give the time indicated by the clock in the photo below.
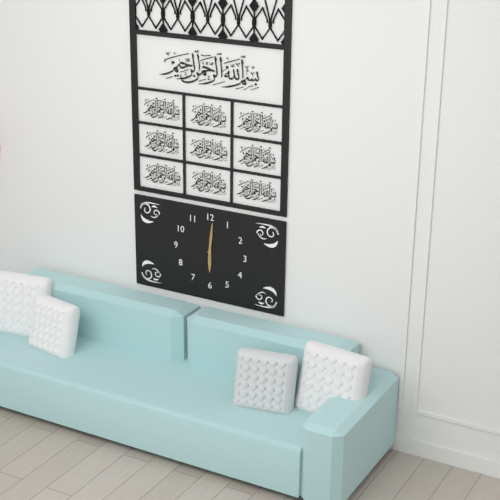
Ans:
**6:01**
